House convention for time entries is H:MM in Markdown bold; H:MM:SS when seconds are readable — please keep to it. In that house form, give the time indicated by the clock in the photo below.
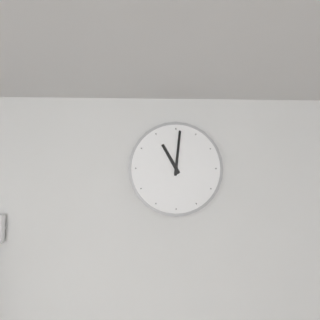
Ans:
**11:01**
